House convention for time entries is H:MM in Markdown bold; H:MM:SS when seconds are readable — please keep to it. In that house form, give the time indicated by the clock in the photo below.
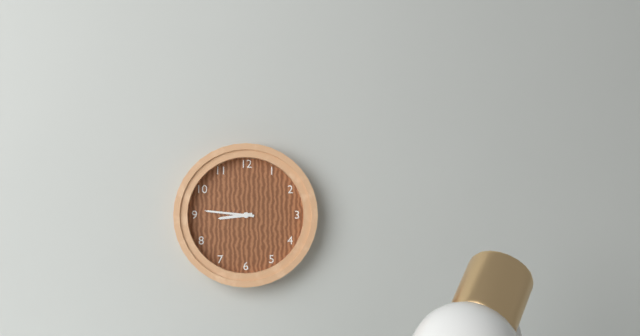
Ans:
**8:46**
